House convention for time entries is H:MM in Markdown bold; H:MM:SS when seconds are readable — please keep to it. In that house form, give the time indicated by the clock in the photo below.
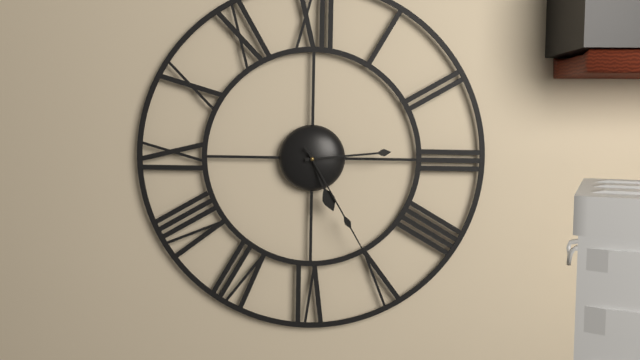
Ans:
**5:14:25**
